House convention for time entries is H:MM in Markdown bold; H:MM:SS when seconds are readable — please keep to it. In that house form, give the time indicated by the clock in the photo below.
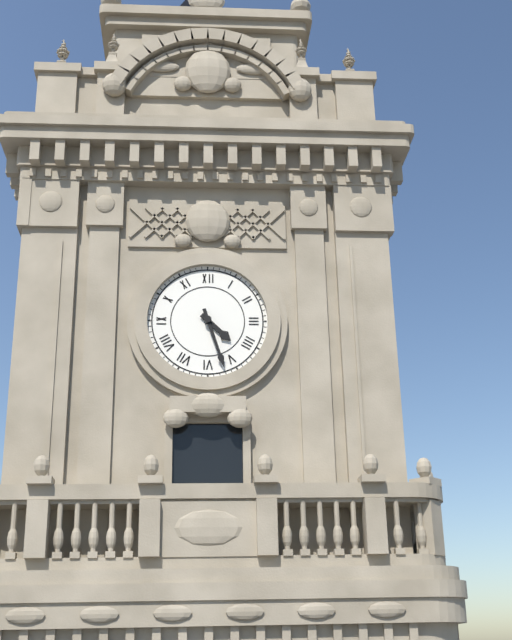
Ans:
**4:27**
